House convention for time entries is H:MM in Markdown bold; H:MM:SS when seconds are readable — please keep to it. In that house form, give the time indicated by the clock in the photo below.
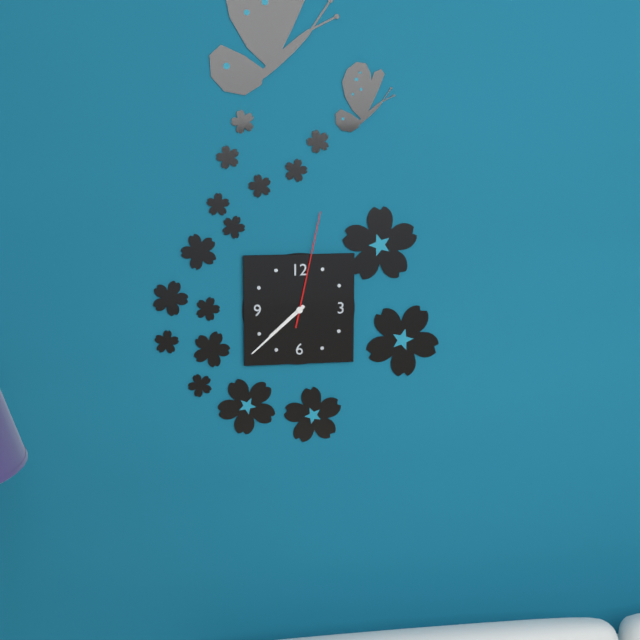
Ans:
**7:38:02**
